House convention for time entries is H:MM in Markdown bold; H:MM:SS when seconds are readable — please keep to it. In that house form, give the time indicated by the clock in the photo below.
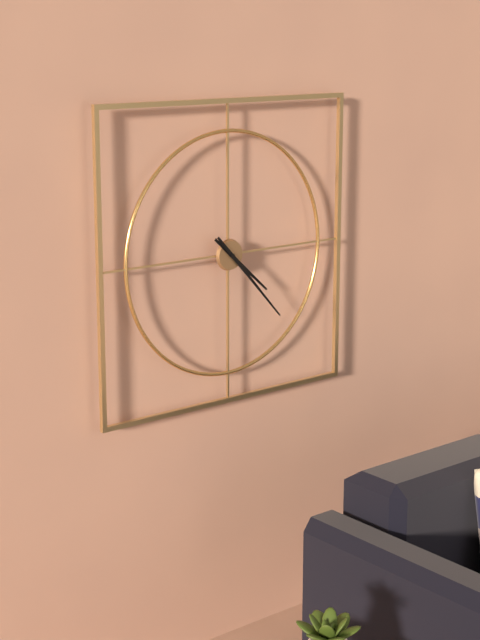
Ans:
**4:23**
